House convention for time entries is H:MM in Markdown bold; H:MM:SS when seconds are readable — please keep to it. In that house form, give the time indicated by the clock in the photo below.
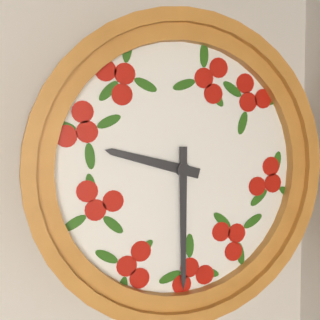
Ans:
**9:30**
